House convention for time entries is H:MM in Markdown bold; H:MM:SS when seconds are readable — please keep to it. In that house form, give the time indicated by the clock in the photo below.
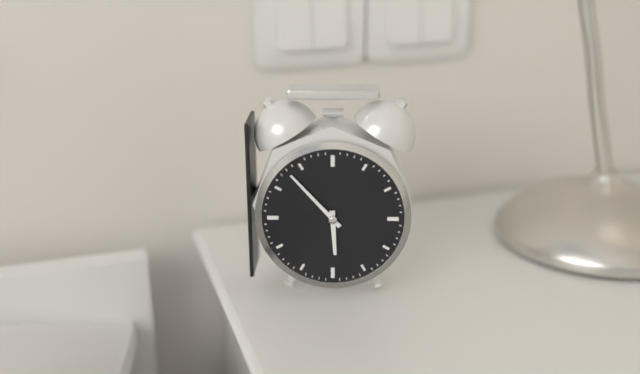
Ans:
**5:53**
